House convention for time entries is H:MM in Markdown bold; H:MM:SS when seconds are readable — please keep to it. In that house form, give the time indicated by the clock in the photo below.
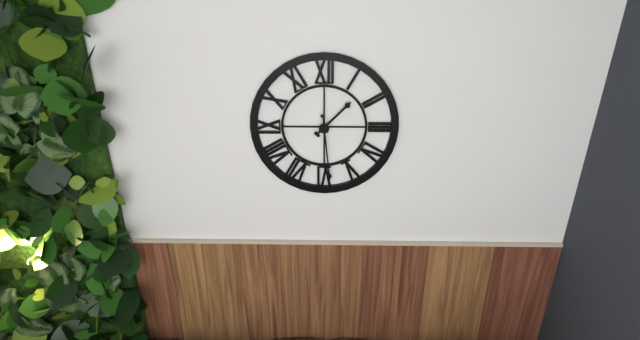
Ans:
**1:29**
